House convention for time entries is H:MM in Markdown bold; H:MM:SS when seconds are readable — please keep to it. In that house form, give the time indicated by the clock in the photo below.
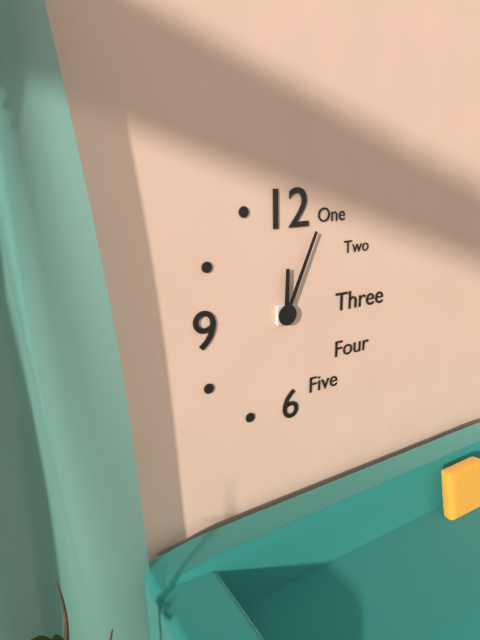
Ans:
**12:04**
